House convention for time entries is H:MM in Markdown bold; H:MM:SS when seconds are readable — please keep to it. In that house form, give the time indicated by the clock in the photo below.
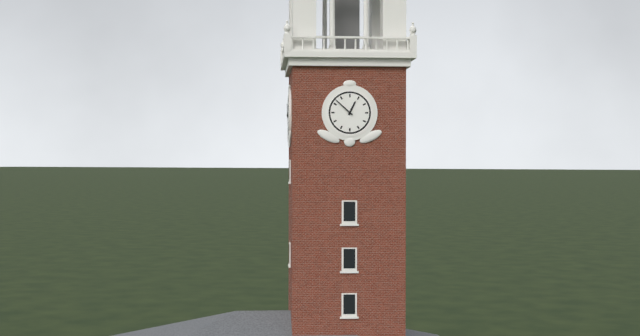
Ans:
**12:52**
